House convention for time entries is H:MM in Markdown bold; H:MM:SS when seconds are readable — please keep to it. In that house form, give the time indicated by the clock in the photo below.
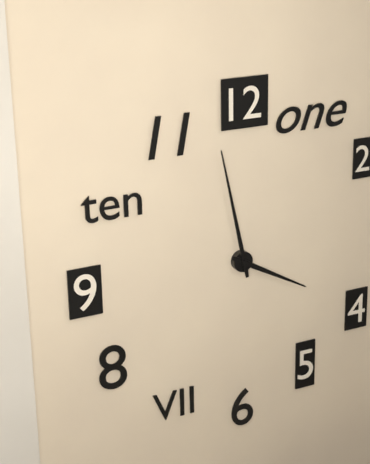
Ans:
**3:58**
